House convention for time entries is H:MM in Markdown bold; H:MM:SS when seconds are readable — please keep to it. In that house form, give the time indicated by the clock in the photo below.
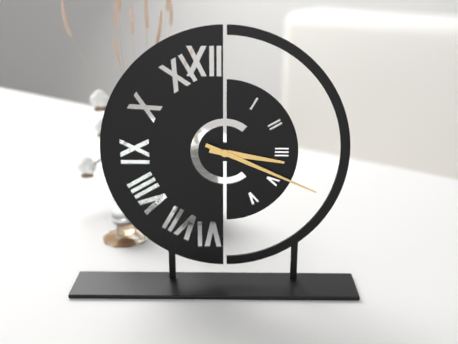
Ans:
**3:19**
